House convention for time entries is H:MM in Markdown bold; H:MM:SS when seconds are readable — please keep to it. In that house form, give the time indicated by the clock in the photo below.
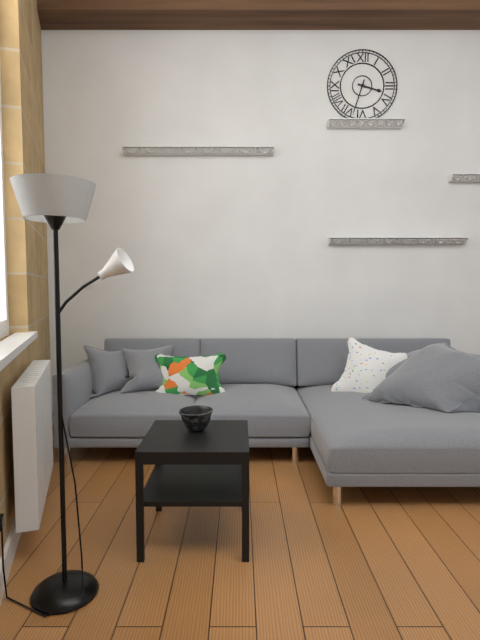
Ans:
**3:33**
